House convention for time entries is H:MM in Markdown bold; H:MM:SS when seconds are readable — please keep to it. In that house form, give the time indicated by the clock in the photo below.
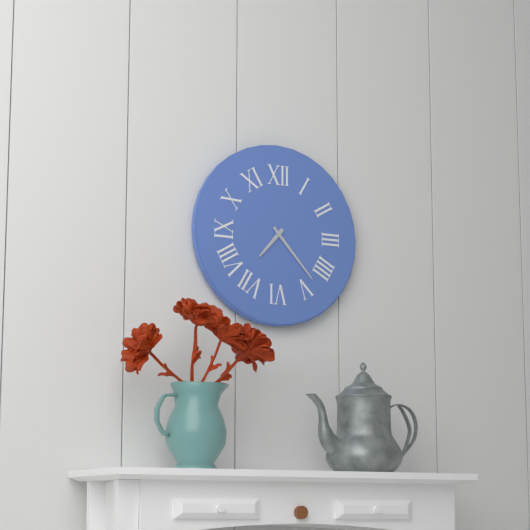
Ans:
**7:23**
